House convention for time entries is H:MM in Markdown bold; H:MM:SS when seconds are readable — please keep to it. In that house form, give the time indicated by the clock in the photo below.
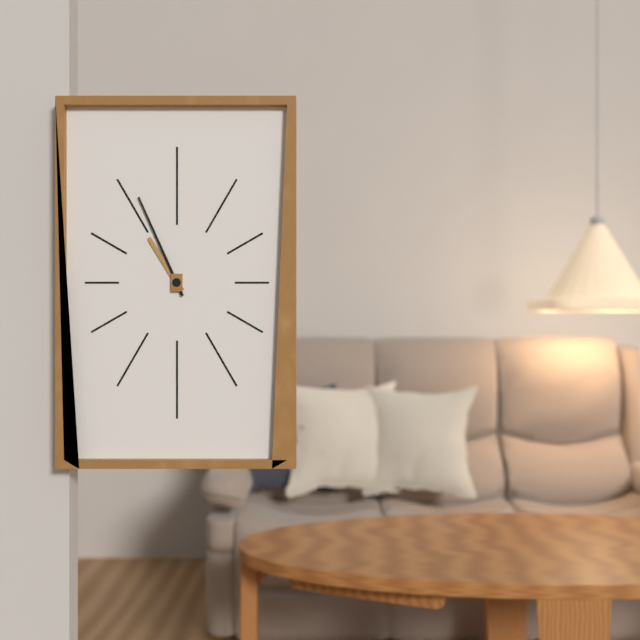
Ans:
**10:56**
